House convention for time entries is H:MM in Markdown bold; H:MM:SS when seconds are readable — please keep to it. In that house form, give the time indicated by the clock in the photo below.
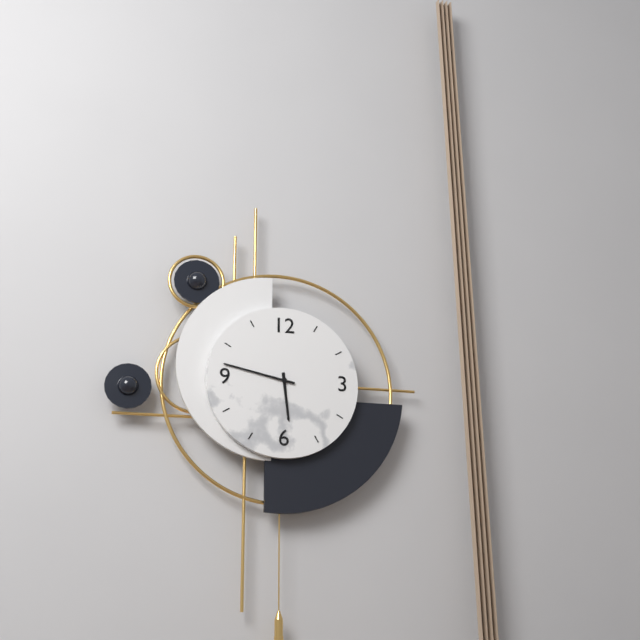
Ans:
**5:47**
